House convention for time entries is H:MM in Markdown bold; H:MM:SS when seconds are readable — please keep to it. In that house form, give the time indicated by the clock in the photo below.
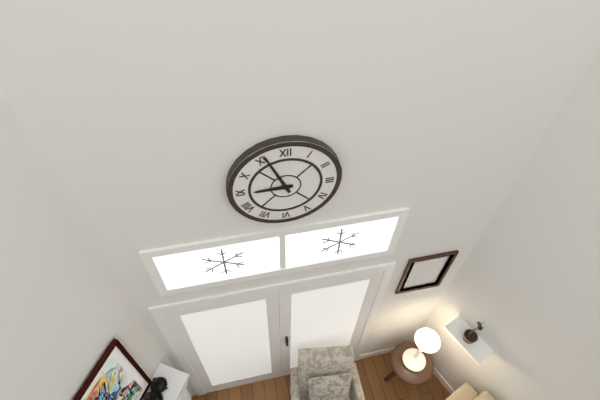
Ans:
**8:56**
